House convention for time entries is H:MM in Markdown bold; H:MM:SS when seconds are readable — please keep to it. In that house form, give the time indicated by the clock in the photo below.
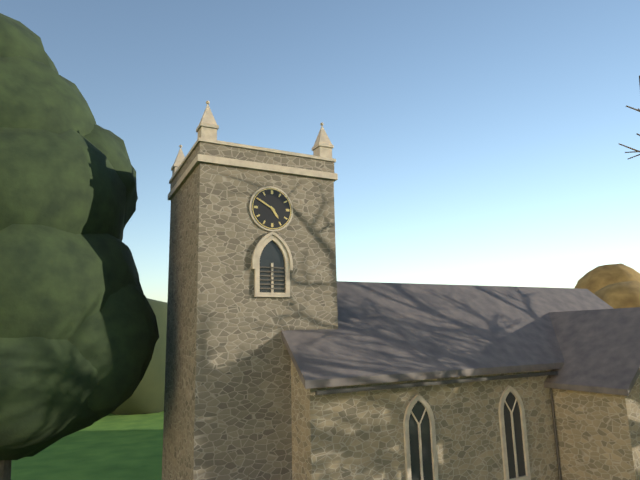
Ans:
**4:50**
